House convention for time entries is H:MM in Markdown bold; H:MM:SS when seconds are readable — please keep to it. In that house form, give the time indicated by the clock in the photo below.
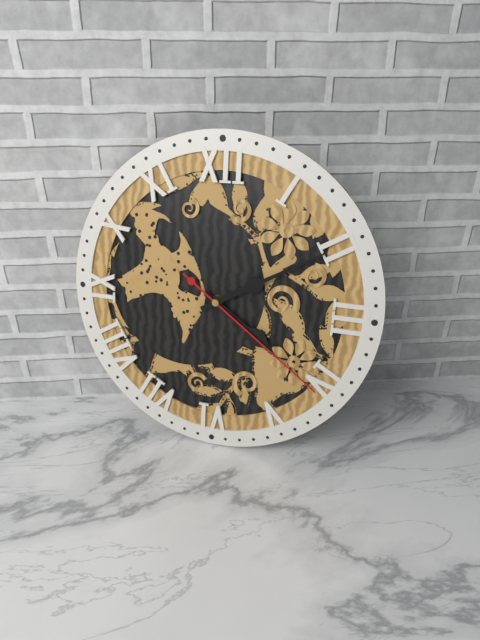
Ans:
**4:10:21**
